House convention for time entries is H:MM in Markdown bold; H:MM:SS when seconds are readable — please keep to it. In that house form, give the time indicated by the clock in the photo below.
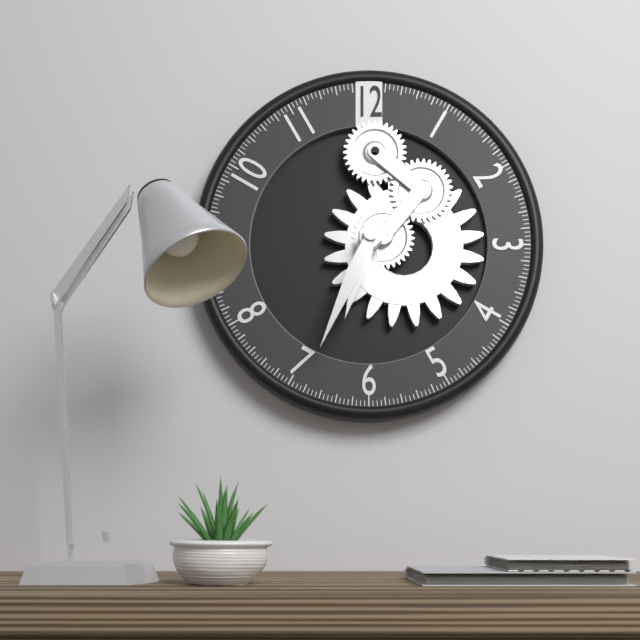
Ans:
**6:34**
